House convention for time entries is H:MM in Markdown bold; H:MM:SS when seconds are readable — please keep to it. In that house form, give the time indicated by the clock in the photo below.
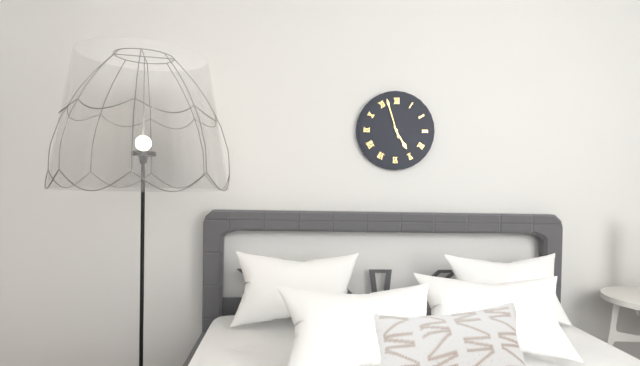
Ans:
**4:57**
